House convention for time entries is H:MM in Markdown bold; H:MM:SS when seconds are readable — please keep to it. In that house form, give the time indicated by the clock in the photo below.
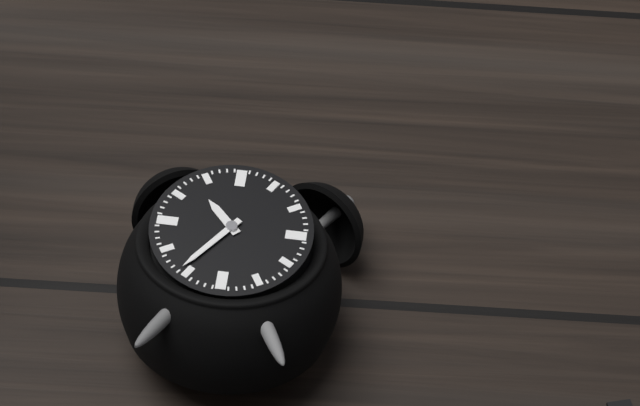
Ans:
**10:36**
